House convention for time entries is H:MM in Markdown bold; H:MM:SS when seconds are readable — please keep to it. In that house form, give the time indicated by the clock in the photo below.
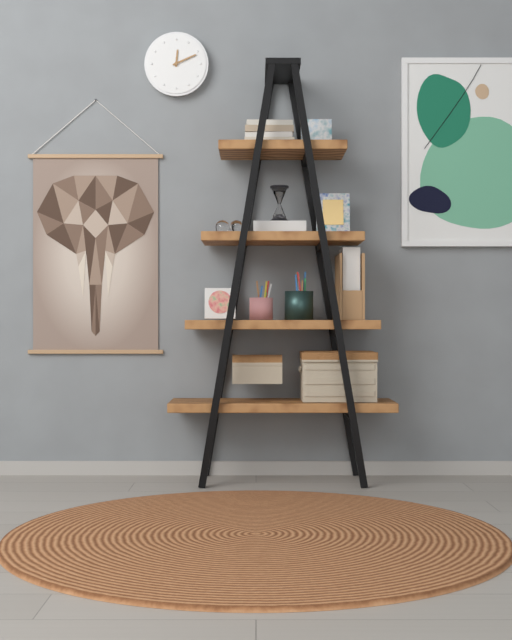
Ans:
**12:11**
